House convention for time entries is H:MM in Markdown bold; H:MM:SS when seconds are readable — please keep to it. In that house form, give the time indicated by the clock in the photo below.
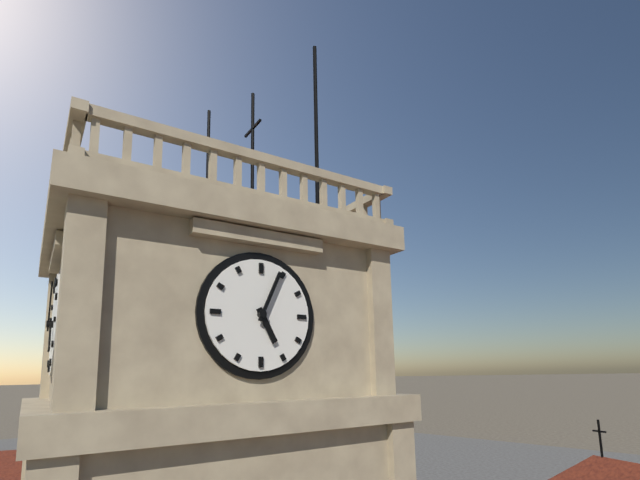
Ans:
**5:04**
